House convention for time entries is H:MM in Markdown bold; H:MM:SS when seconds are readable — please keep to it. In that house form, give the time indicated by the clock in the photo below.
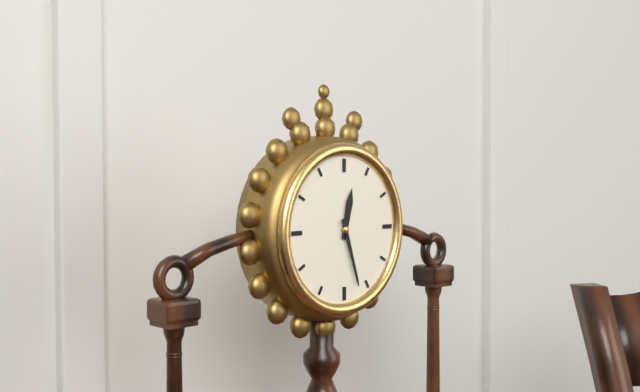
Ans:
**12:27**
